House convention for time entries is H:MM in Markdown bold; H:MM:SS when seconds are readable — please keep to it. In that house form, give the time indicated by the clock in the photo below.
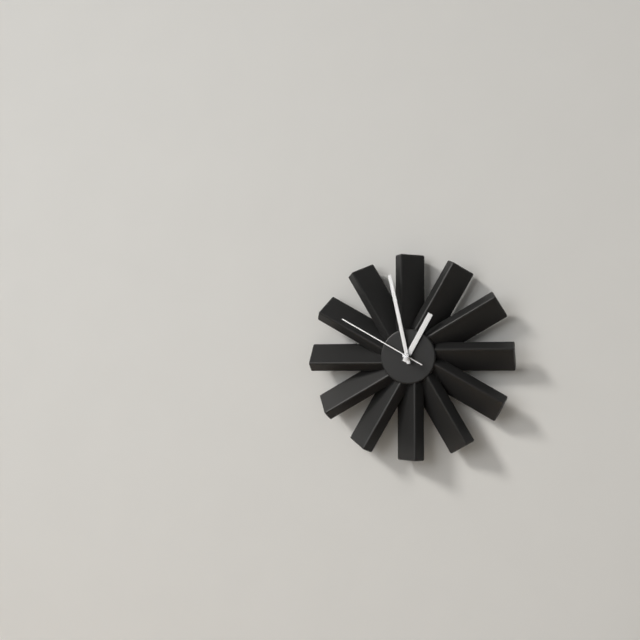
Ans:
**12:58:50**
